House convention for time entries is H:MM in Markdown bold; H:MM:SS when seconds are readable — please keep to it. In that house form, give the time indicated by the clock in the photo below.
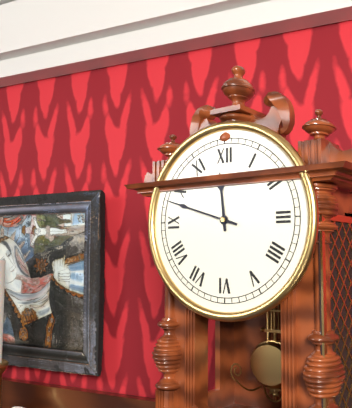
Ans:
**11:48**
